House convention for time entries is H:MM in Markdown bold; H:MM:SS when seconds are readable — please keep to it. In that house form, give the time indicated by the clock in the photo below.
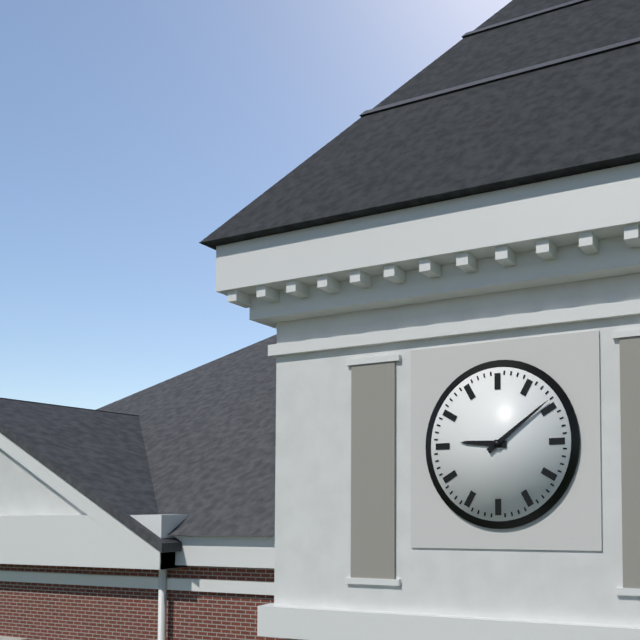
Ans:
**9:09**
